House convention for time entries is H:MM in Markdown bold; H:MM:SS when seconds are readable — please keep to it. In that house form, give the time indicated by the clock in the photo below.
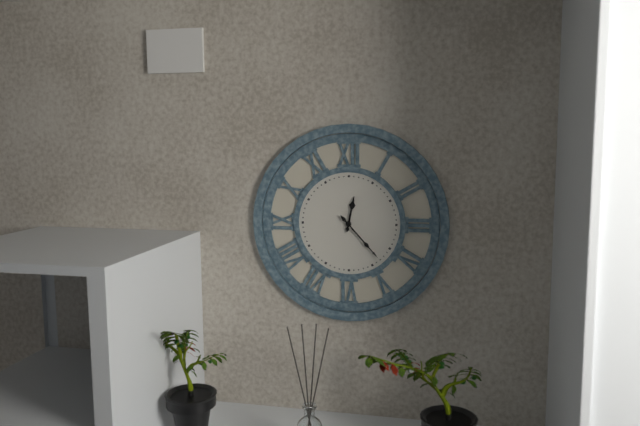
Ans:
**12:23**
